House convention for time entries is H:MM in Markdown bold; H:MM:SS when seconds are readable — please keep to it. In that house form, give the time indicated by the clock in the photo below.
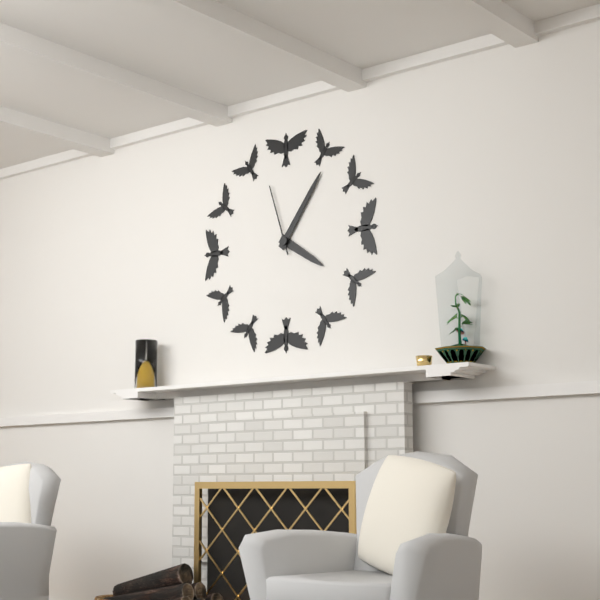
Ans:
**4:06:57**
